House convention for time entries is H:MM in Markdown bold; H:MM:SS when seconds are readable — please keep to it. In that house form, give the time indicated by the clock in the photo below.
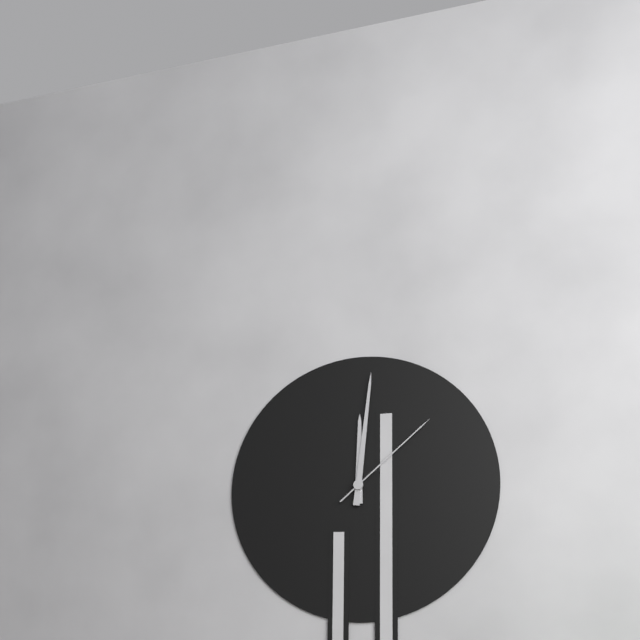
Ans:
**12:01:08**
